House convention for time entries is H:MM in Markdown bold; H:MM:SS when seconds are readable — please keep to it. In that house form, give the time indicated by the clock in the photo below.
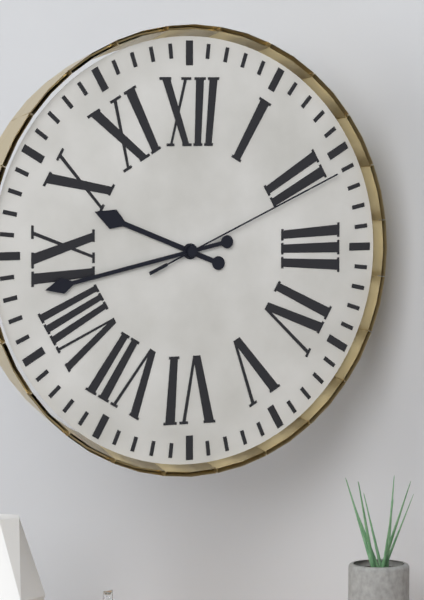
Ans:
**9:43:11**
